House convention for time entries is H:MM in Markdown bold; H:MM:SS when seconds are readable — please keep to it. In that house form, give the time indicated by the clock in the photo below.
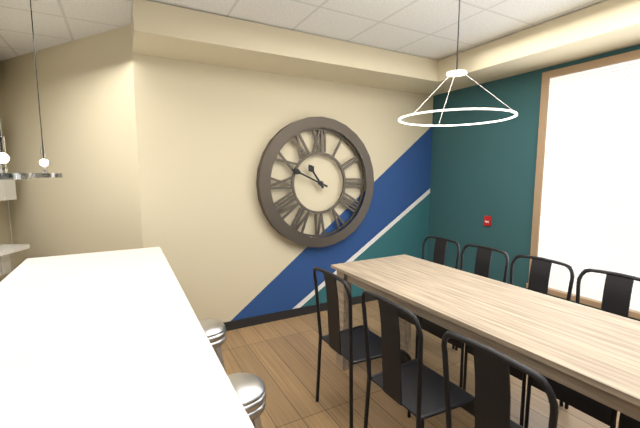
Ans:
**10:49**
